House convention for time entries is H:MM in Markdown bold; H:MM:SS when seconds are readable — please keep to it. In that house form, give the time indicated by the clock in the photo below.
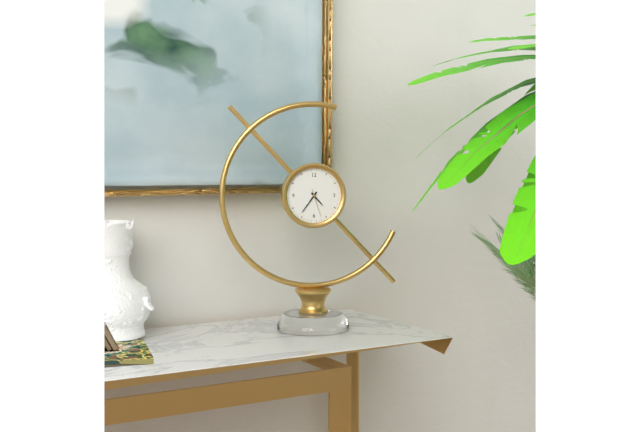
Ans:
**4:36**
